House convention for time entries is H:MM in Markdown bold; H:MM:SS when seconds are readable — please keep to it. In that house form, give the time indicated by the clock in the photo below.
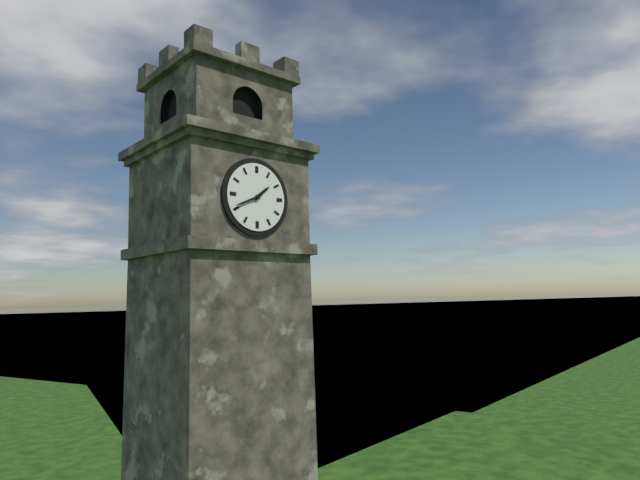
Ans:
**1:41**
